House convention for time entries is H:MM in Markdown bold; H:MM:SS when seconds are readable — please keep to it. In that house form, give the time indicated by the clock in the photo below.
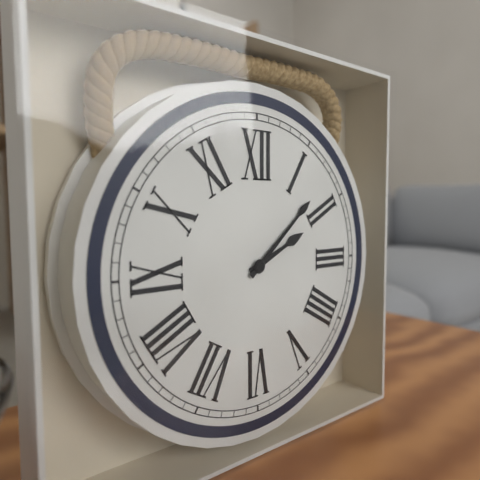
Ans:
**2:08**
